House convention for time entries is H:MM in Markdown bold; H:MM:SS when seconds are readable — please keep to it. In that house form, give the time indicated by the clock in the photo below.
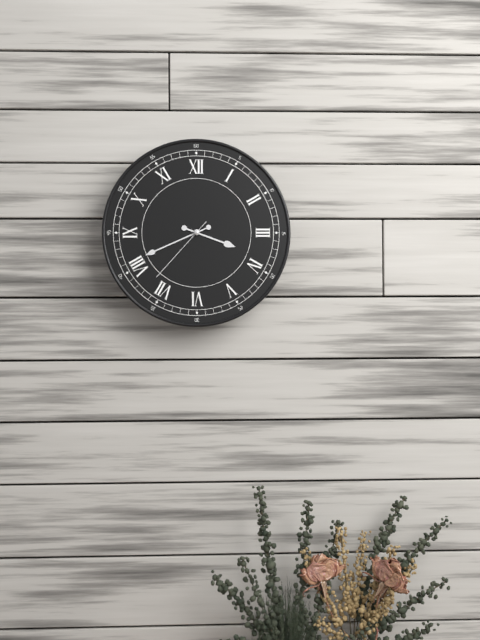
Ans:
**3:41:37**
